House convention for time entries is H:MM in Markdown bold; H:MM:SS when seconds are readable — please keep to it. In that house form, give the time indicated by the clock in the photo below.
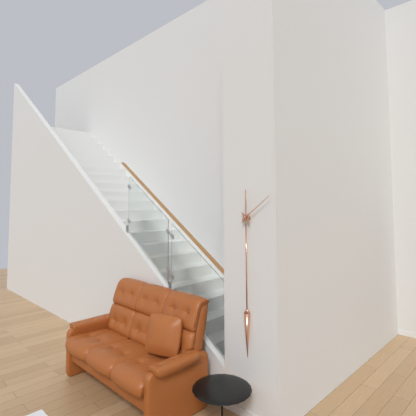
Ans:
**12:09**
